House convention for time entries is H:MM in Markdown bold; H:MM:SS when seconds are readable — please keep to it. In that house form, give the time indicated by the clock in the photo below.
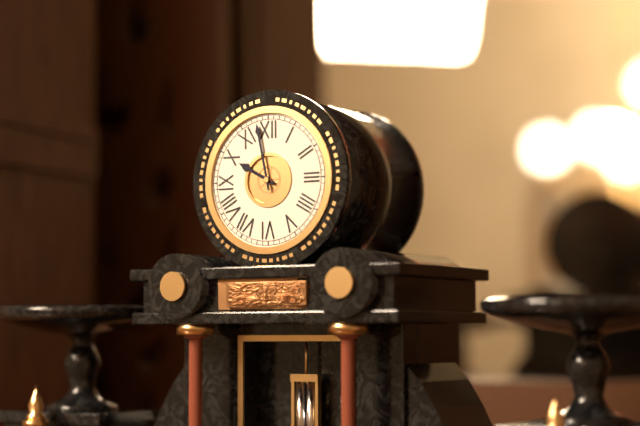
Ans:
**9:58**
